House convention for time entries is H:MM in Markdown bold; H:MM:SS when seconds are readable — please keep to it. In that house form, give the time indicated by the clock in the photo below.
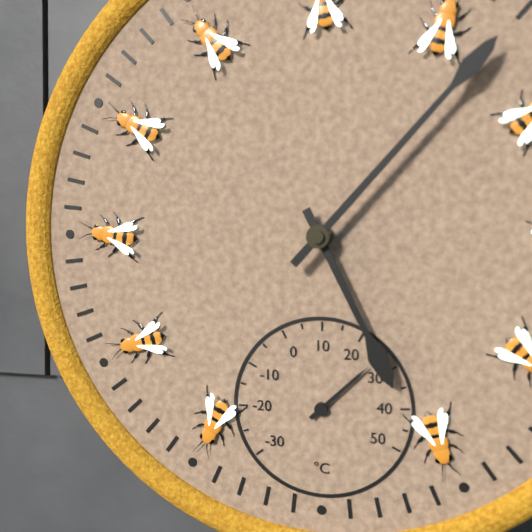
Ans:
**5:07**
